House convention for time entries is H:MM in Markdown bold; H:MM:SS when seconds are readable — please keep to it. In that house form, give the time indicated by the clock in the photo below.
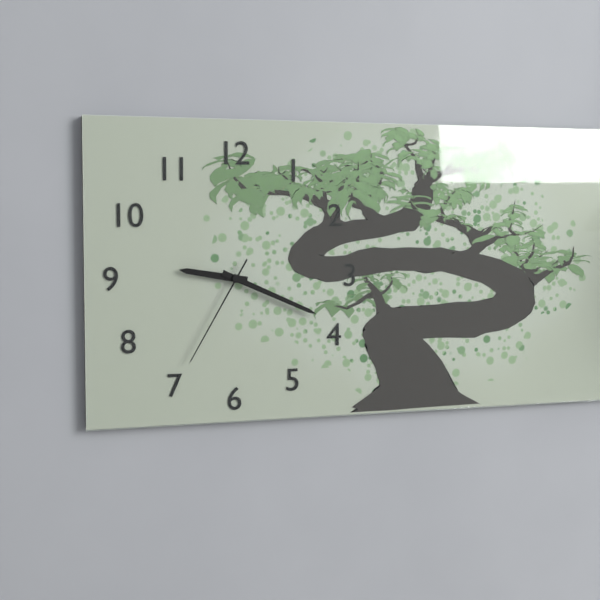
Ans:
**9:19:35**
